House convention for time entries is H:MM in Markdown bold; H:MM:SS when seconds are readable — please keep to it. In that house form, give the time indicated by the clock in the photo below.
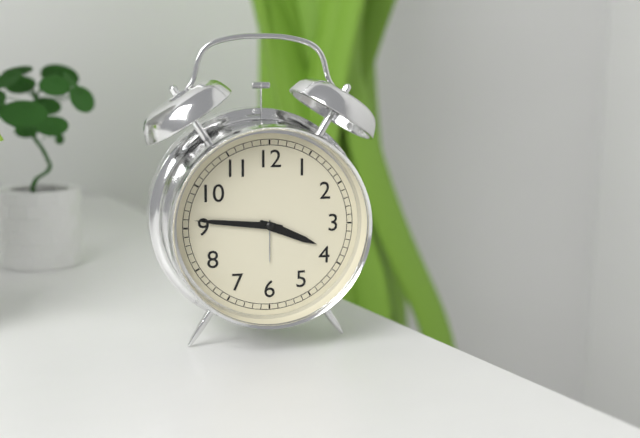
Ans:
**3:46**
